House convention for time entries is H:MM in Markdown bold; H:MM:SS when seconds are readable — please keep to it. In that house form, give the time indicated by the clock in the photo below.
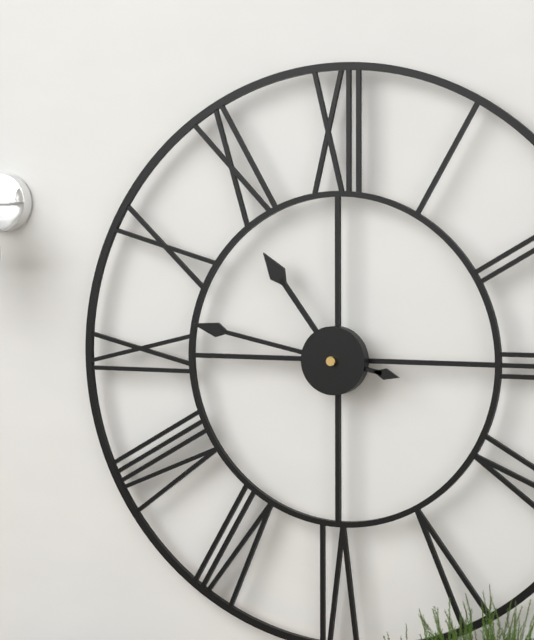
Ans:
**10:47**
